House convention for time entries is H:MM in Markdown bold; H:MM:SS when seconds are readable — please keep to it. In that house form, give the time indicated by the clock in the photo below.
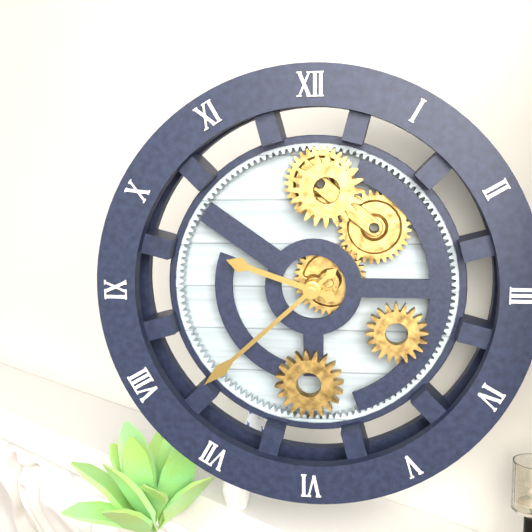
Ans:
**9:38**
